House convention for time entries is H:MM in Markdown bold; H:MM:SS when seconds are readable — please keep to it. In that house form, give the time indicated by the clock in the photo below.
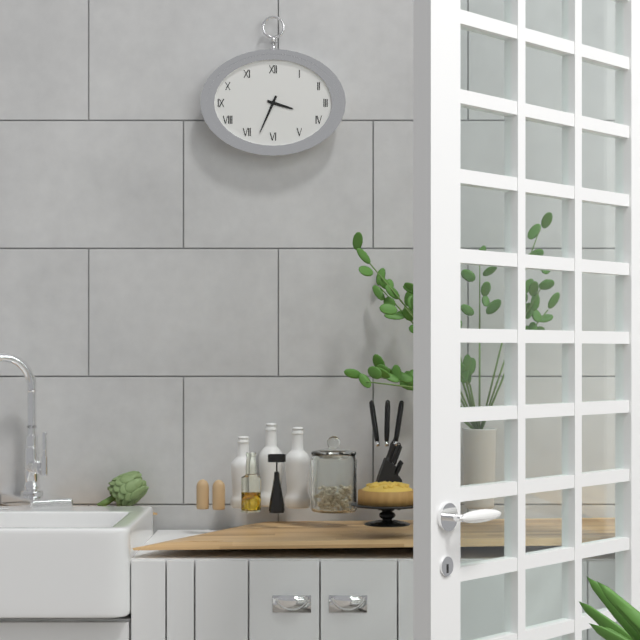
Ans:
**3:34**
